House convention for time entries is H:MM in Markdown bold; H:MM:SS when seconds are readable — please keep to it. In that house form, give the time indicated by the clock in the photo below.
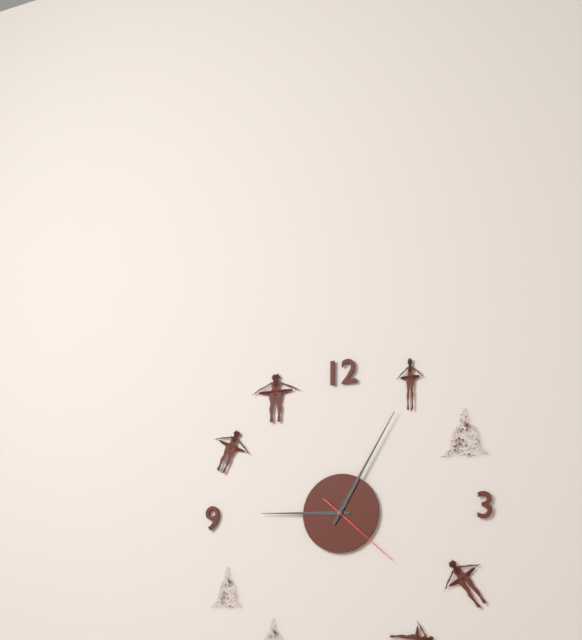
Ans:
**9:05:22**
